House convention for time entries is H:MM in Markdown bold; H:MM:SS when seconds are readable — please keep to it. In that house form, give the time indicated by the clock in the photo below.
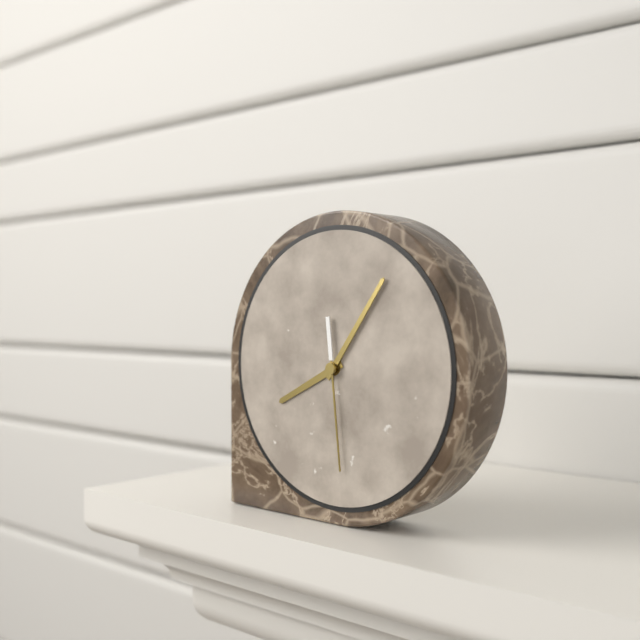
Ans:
**8:06:29**
